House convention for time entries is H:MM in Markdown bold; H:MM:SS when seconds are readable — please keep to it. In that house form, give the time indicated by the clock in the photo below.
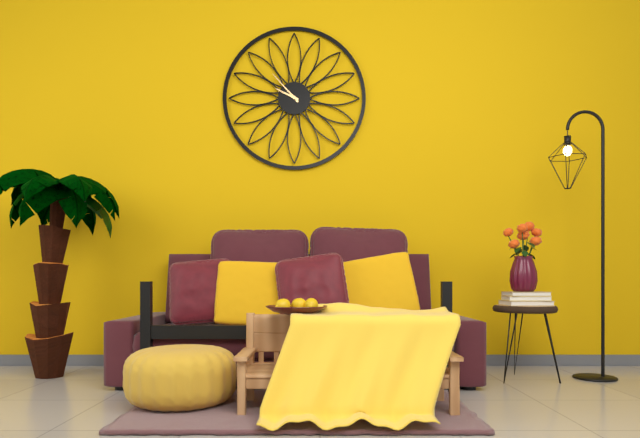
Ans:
**9:53**
